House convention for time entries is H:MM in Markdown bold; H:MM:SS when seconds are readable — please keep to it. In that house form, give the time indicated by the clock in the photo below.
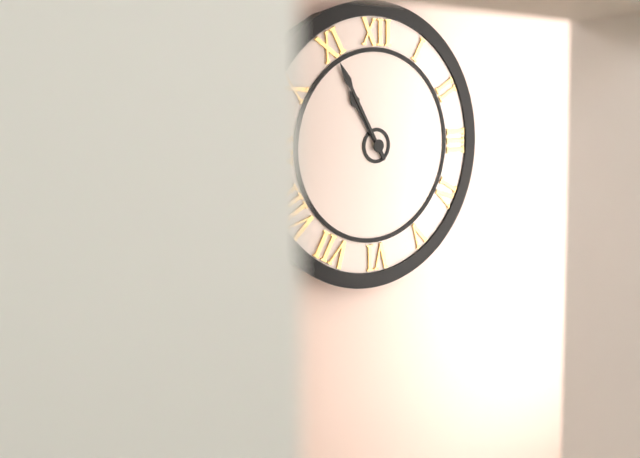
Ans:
**10:55**
